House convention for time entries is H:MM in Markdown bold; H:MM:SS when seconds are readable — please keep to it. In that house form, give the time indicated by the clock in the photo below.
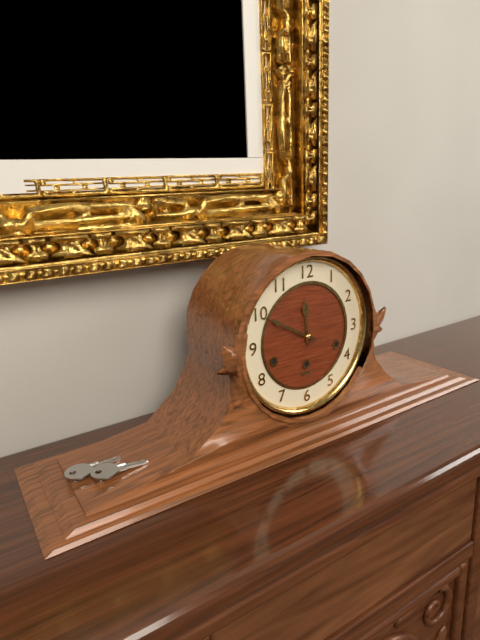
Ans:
**11:50**
